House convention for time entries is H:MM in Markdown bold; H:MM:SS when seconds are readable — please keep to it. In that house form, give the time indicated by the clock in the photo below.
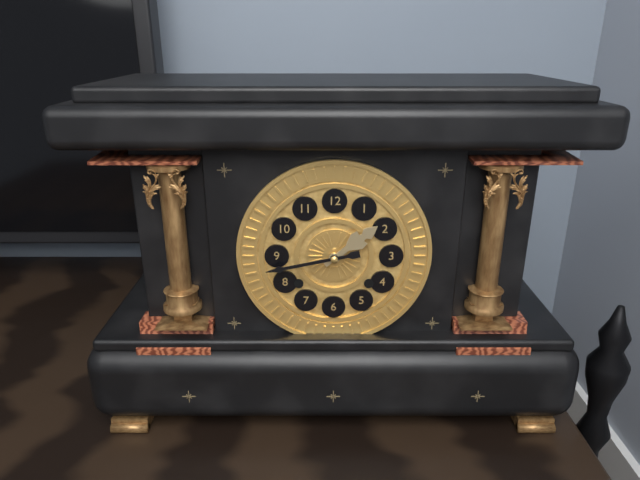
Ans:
**1:43**
